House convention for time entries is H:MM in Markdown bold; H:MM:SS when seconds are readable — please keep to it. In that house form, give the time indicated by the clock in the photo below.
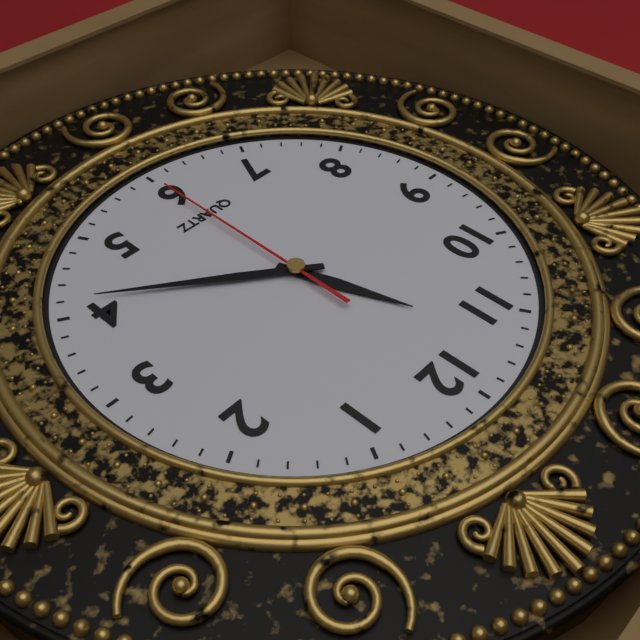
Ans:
**11:21:30**
